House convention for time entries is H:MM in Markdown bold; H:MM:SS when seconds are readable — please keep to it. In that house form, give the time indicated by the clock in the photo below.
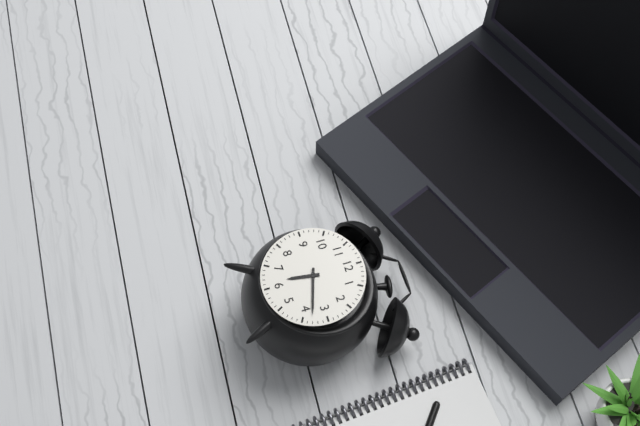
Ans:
**6:18**
